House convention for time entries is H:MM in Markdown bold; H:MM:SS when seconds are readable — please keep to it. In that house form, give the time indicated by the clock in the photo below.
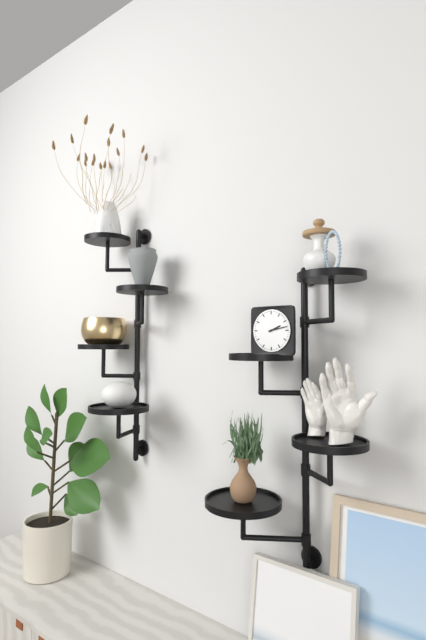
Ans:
**2:13**
